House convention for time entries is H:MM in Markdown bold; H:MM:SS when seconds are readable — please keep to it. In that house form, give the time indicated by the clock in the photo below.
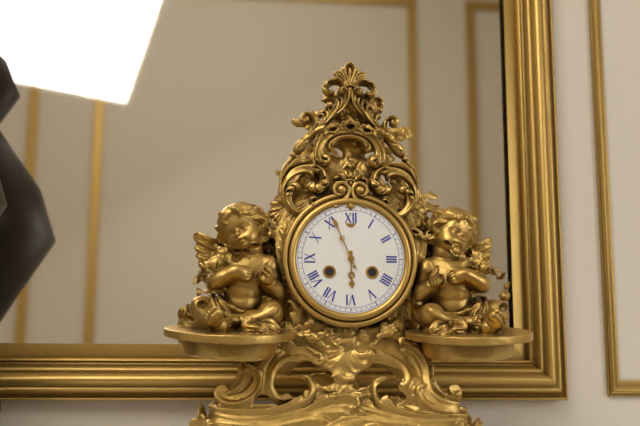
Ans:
**5:56**
